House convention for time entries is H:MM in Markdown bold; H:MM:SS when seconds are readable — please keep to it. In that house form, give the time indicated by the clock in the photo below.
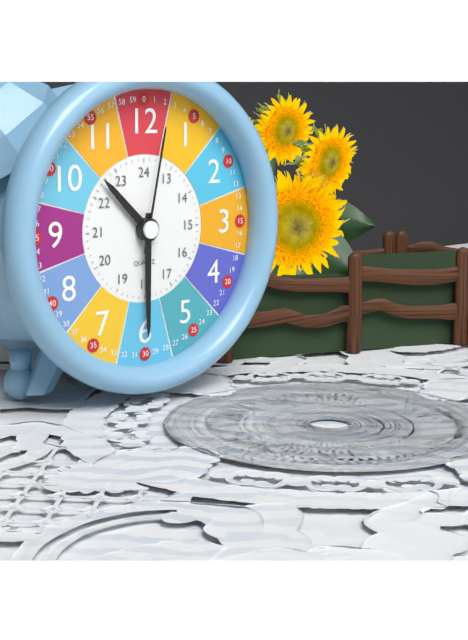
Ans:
**10:30:02**
